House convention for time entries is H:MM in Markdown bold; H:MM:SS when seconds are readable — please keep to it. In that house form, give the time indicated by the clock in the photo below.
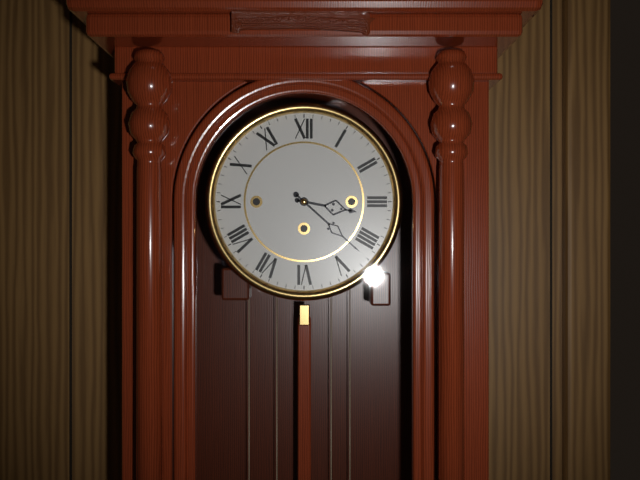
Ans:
**3:22**
